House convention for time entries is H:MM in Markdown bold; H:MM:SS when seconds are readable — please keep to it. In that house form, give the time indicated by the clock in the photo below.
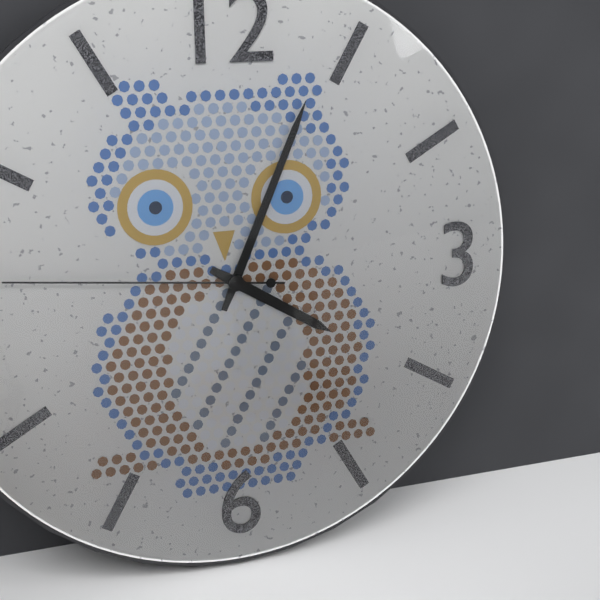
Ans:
**4:04:46**
